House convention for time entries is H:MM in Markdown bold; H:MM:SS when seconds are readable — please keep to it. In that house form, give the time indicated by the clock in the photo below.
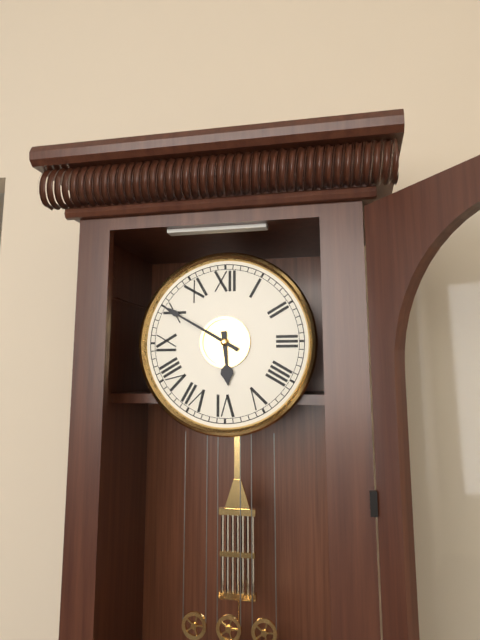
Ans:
**5:50**
